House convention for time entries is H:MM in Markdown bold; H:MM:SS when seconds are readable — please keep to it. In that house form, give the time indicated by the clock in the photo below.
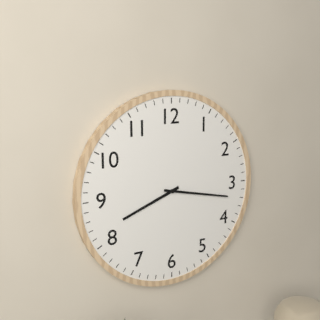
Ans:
**8:17**
